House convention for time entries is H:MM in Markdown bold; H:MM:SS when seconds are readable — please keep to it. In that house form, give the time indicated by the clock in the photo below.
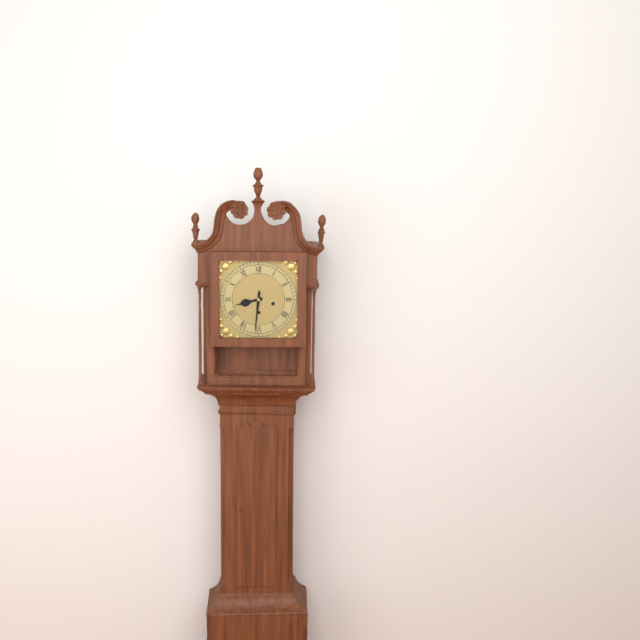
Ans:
**8:31**
